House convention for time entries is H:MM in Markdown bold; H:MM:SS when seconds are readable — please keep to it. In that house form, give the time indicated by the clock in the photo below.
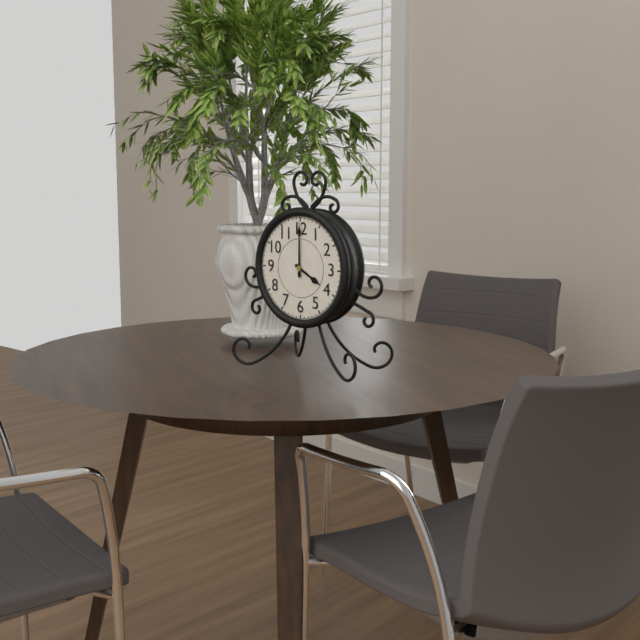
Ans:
**4:00**
